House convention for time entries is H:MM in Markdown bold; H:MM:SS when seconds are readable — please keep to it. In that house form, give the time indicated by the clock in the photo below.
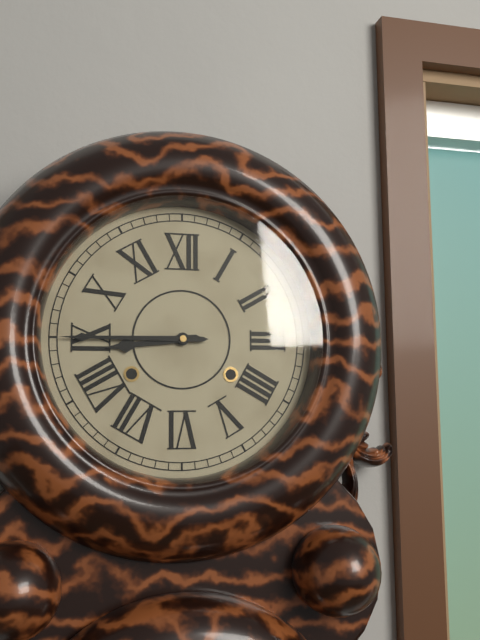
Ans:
**8:45**
